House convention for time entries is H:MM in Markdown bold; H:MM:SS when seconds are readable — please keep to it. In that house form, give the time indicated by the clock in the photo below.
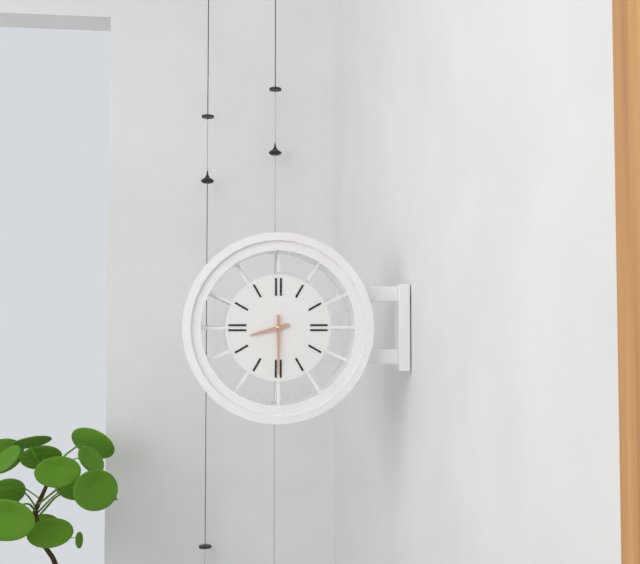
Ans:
**8:30**
